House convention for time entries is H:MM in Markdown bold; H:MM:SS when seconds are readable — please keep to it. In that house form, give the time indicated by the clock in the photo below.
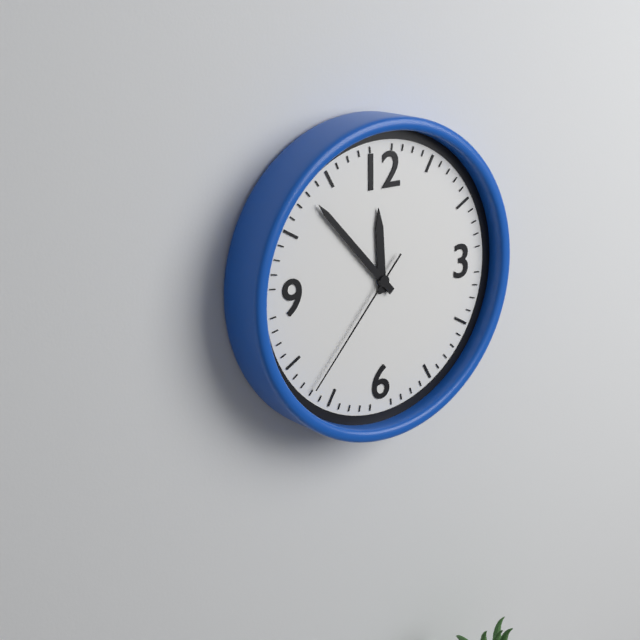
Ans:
**11:53:37**
